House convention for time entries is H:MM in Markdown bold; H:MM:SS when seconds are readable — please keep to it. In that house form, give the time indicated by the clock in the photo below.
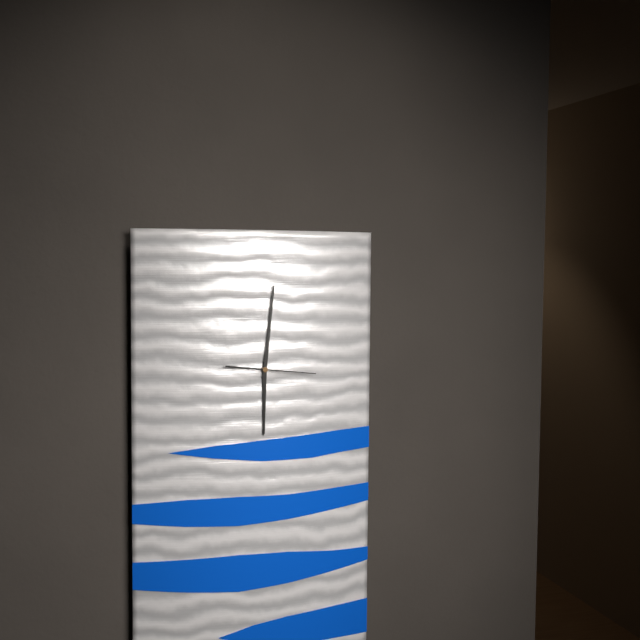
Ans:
**6:01:16**
